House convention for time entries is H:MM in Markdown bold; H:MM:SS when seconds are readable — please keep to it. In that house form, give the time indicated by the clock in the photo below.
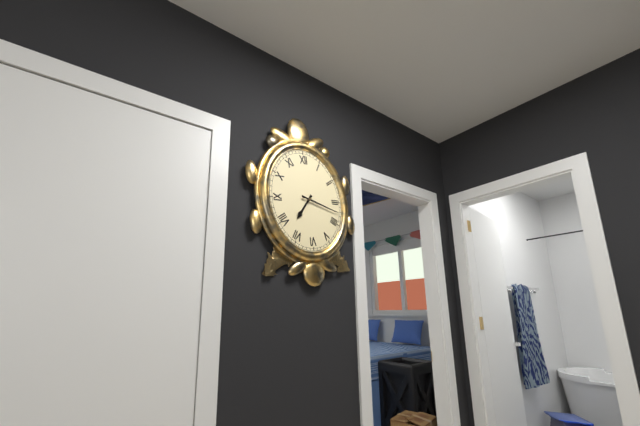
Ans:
**7:18**
